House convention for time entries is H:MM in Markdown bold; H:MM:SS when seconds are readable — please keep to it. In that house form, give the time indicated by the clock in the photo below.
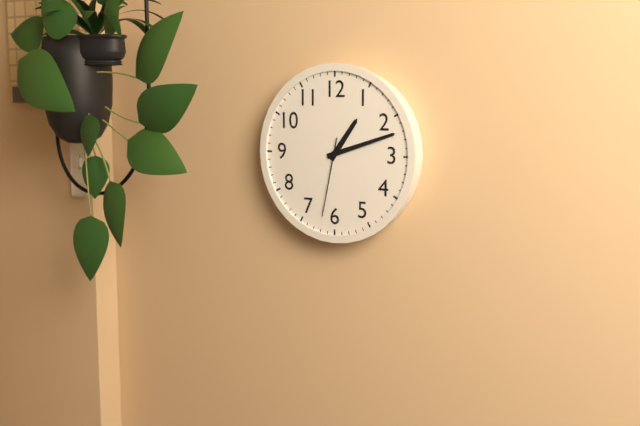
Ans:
**1:12:32**
